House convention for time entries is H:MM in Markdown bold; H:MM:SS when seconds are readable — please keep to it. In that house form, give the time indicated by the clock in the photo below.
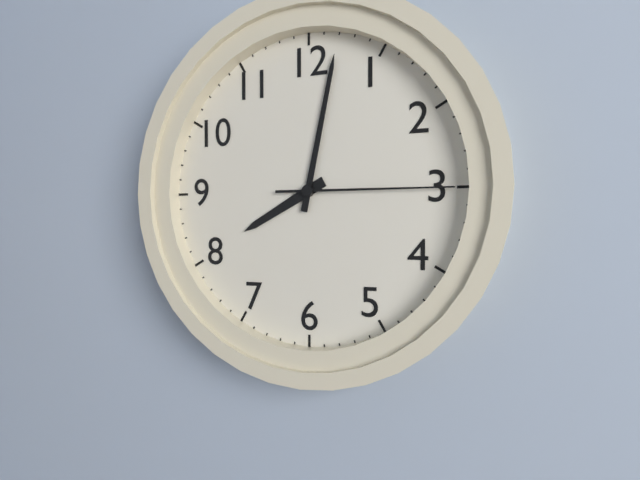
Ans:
**8:02:15**
